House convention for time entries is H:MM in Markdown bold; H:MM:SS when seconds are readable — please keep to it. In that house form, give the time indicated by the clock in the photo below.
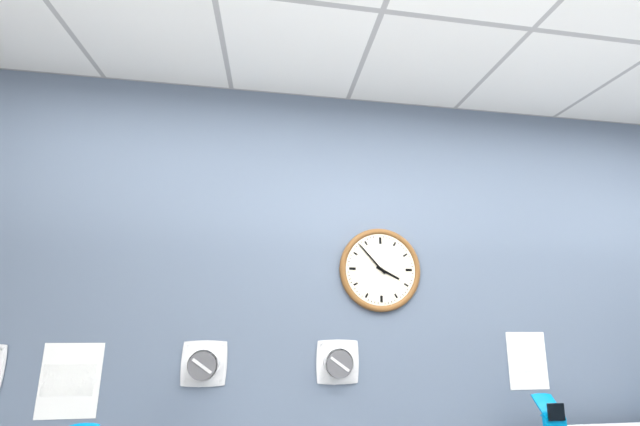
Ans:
**3:53**
